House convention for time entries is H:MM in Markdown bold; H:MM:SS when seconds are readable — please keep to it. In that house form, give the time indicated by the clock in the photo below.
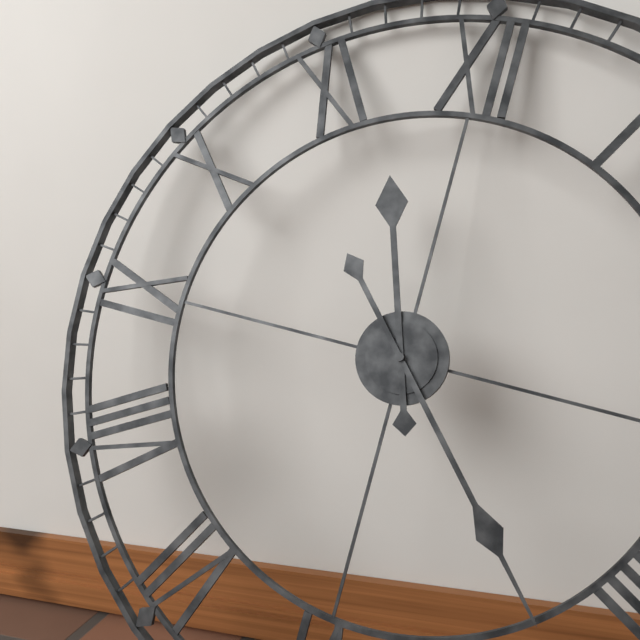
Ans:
**11:23**
